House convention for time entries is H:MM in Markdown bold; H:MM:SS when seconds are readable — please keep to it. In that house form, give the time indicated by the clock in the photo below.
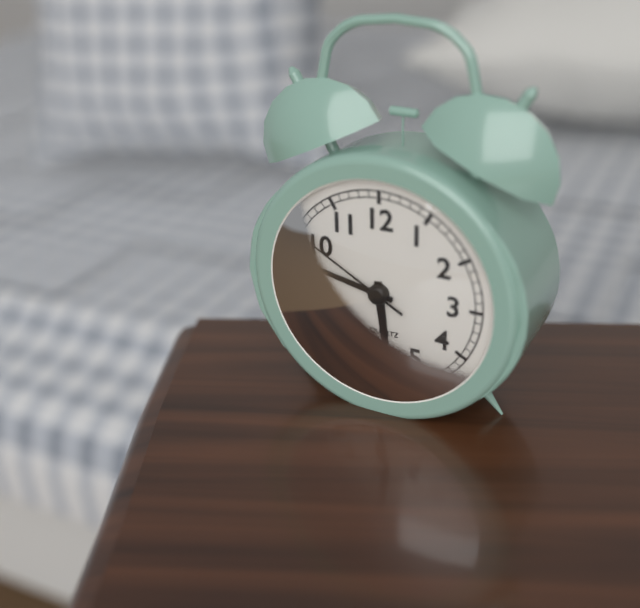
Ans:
**5:47:50**
